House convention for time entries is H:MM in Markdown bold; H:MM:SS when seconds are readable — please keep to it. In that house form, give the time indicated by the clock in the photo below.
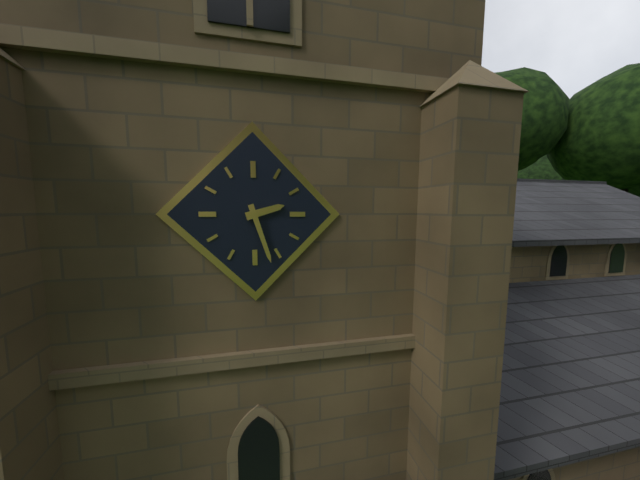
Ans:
**2:27**
